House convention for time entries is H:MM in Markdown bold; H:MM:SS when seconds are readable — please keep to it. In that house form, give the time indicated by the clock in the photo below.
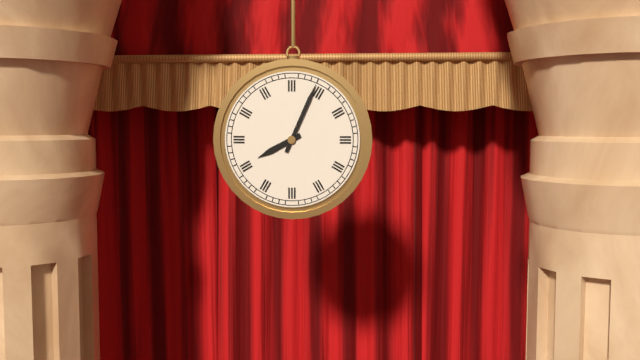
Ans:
**8:04**
